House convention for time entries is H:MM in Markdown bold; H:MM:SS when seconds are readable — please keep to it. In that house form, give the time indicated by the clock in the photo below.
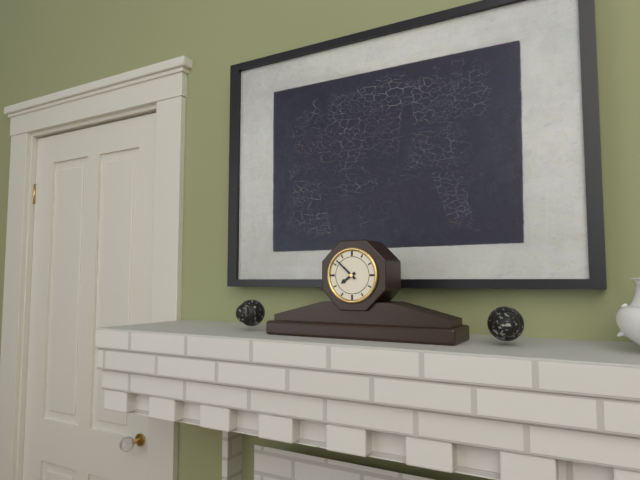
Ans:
**7:52**
